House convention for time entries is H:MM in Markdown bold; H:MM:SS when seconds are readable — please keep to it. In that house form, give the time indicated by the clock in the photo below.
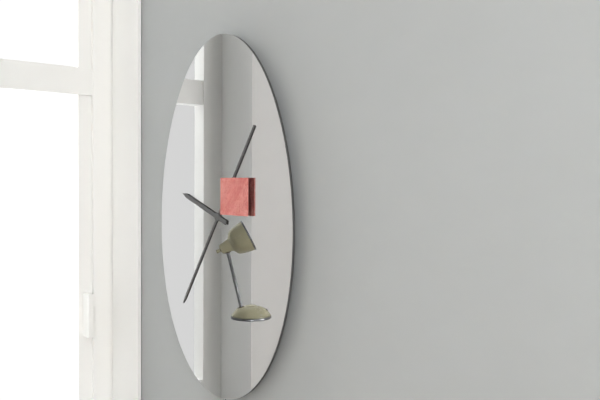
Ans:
**9:36**
